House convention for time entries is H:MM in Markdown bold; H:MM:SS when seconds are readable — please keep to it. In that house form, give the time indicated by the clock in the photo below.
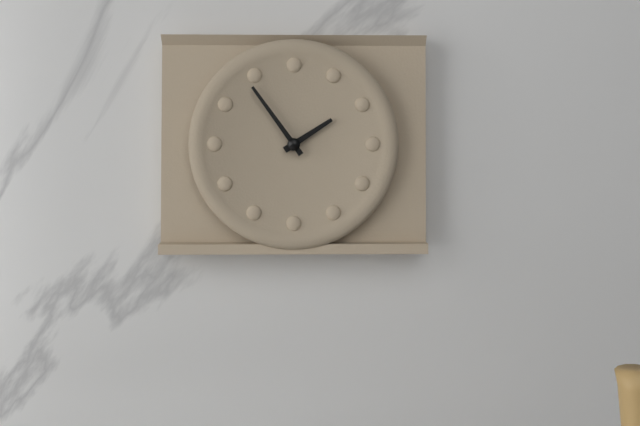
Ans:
**1:54**
